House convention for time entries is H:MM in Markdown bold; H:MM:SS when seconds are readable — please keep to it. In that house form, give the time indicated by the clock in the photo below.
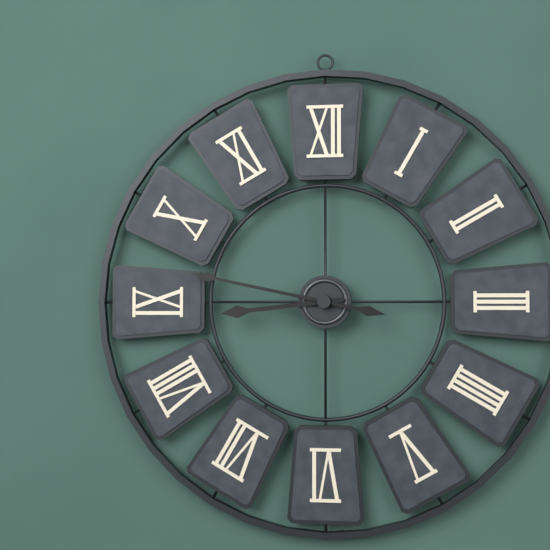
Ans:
**8:47**
